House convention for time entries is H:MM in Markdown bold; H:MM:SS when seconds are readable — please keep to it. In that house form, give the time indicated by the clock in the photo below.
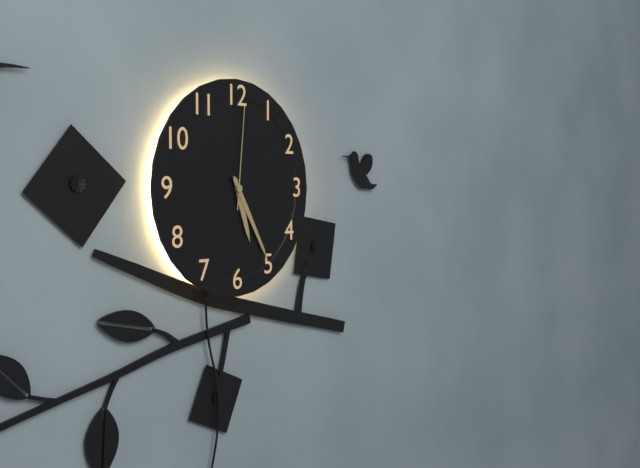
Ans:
**5:25:01**
